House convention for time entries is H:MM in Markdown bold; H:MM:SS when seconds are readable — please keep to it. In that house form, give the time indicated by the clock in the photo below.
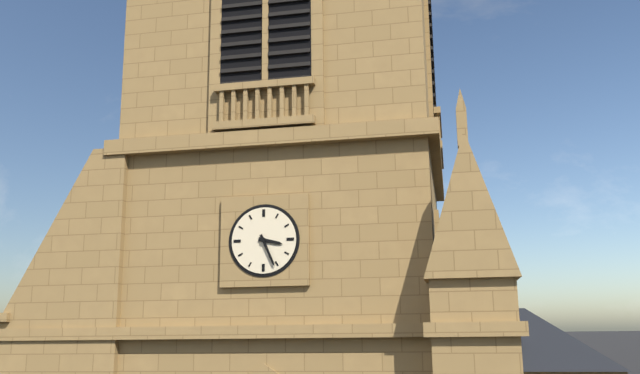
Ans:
**3:26**
